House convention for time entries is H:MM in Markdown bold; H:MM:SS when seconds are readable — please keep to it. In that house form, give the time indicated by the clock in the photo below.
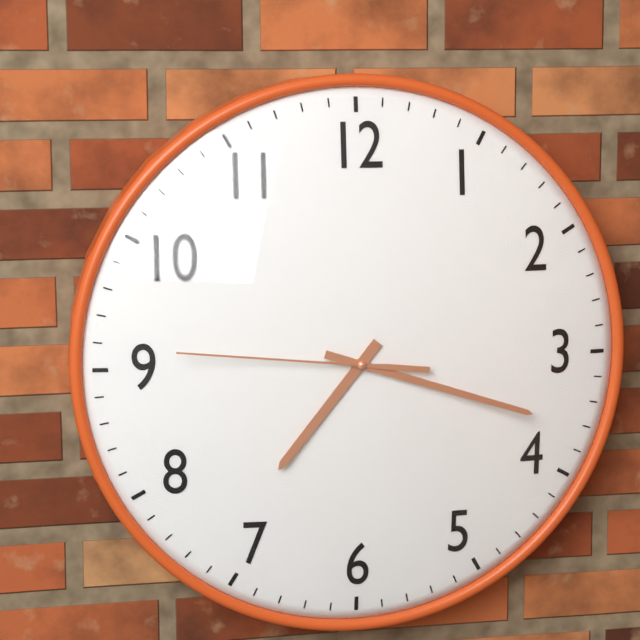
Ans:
**7:18:46**
